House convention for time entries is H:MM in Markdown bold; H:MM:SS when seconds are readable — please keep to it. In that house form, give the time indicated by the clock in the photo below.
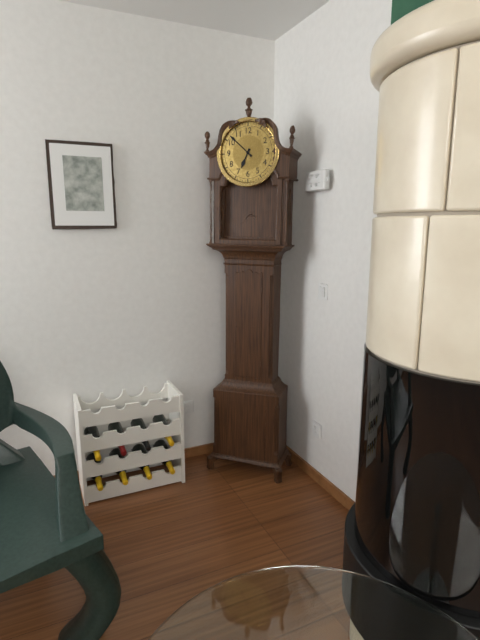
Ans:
**6:52**
